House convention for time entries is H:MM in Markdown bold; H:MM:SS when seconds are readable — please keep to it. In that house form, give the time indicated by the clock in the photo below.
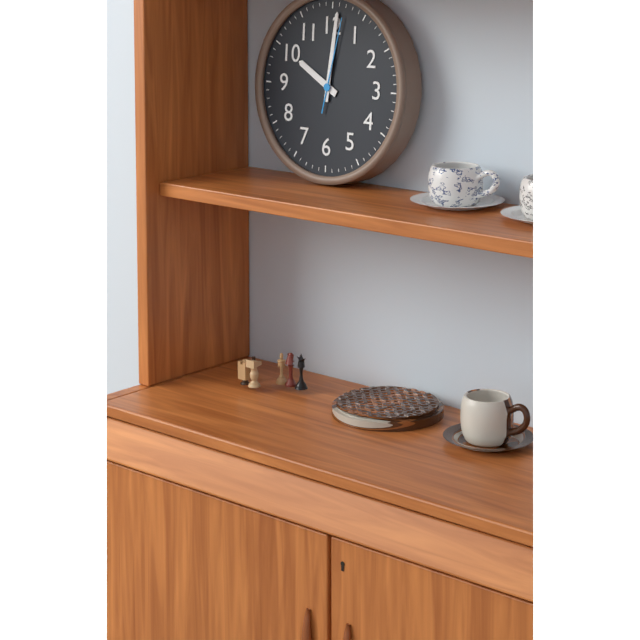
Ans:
**10:01:02**
